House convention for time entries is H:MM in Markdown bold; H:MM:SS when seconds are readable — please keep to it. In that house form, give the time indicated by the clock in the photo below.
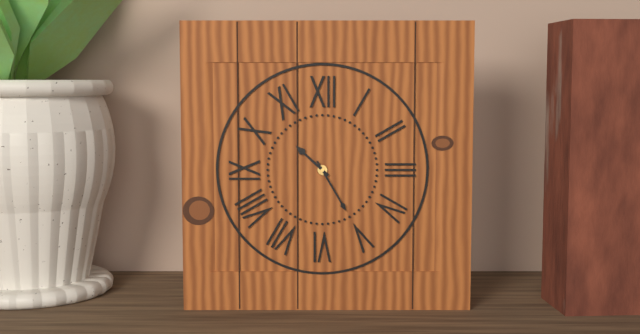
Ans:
**10:25**
